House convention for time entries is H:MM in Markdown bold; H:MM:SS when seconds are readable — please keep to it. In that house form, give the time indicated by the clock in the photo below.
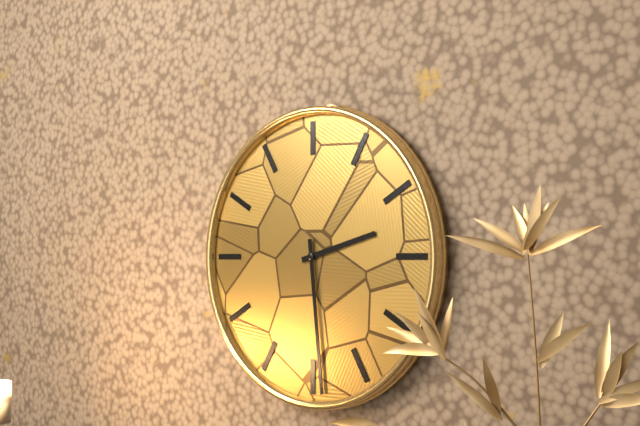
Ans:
**2:29**
